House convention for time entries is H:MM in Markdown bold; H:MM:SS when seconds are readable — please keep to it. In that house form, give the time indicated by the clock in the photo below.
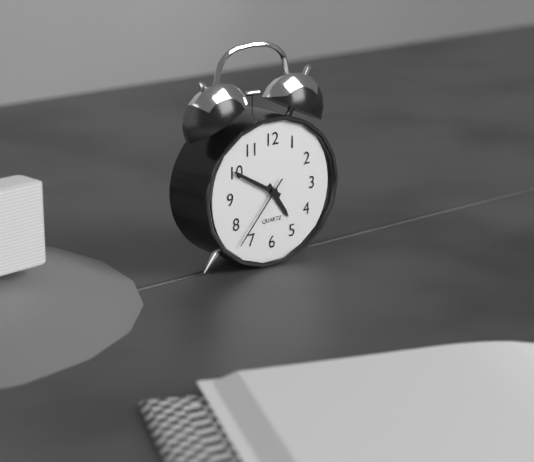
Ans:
**4:50:37**
